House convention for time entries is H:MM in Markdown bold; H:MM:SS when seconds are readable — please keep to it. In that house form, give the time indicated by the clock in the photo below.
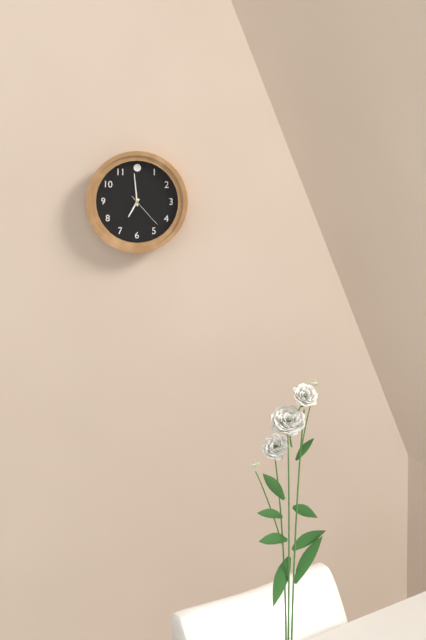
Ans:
**6:59**
